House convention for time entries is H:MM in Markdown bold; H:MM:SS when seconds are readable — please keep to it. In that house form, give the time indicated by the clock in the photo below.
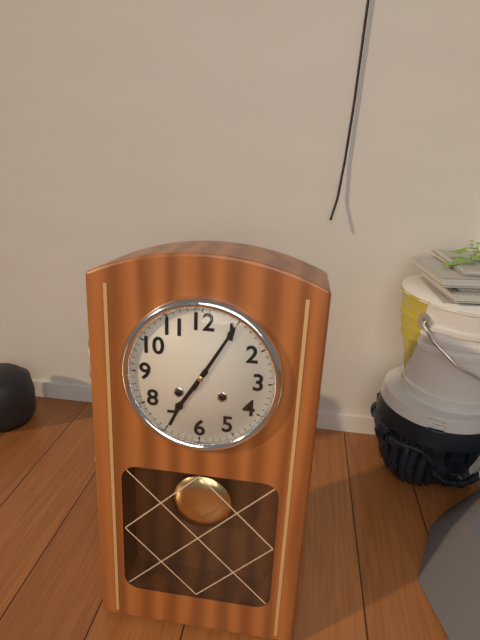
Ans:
**7:05**
